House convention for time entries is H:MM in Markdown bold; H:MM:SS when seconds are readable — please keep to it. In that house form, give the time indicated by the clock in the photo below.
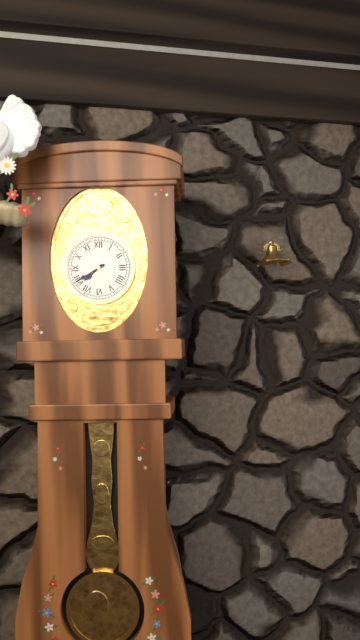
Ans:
**7:40**
